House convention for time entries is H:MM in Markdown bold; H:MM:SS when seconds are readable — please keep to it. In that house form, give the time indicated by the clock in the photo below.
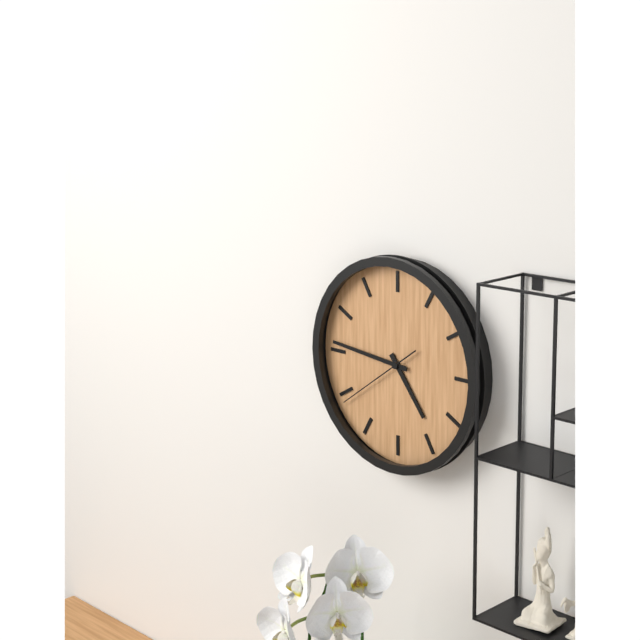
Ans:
**4:46:39**
